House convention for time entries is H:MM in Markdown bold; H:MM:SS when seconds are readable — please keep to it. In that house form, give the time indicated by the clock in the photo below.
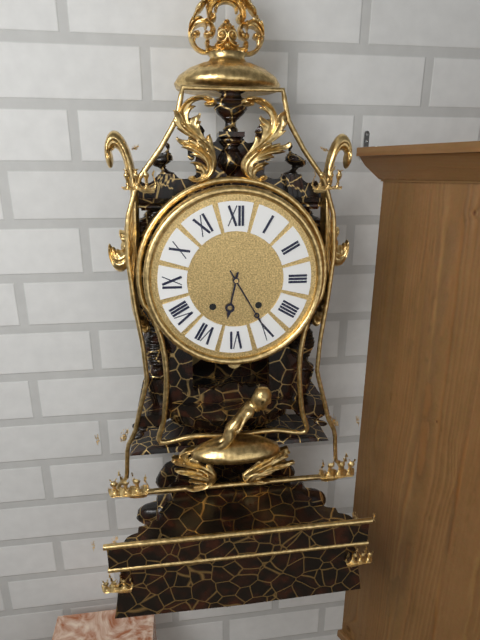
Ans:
**6:25**
